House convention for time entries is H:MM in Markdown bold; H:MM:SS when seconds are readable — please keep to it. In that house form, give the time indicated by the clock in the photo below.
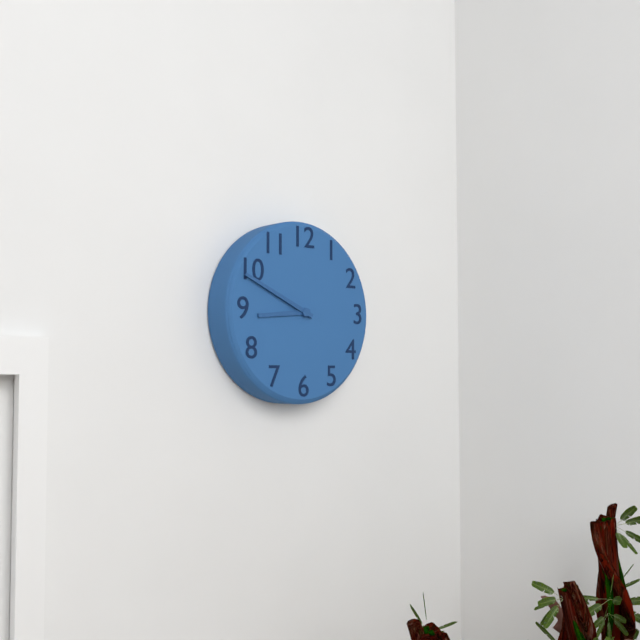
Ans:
**8:49**
